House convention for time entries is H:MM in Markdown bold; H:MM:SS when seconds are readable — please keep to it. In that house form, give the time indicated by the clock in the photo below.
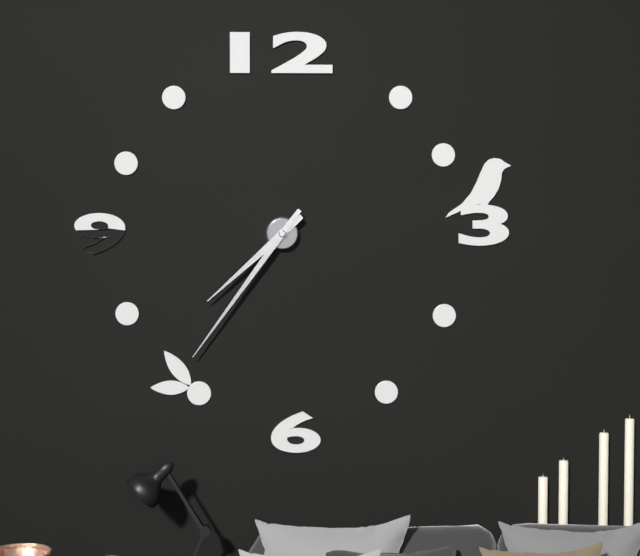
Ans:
**7:36**
